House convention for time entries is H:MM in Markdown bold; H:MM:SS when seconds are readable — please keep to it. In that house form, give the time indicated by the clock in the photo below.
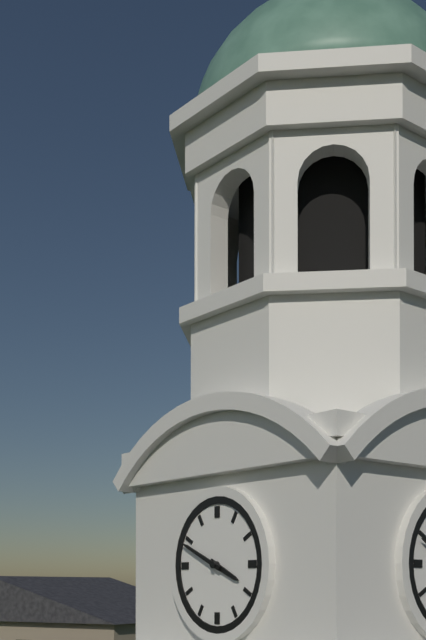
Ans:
**3:49**
